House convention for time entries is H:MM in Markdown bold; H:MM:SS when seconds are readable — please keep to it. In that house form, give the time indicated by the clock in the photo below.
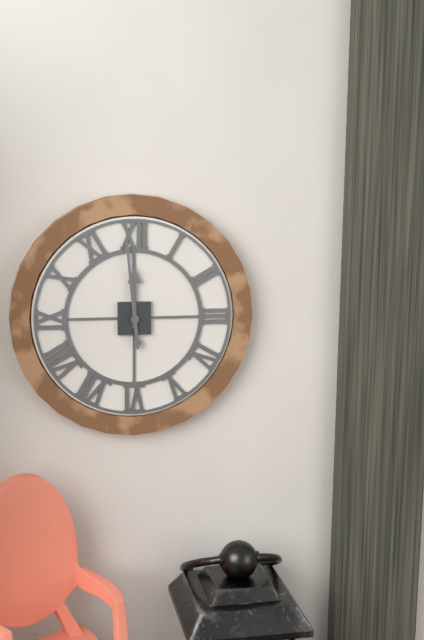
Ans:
**11:59**
